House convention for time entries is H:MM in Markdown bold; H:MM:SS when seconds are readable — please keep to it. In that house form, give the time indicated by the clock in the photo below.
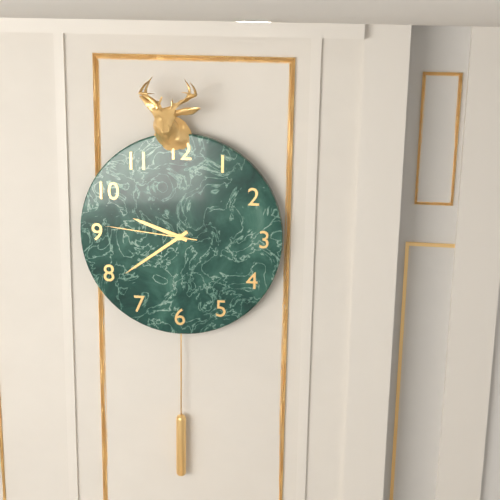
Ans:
**9:39:46**
